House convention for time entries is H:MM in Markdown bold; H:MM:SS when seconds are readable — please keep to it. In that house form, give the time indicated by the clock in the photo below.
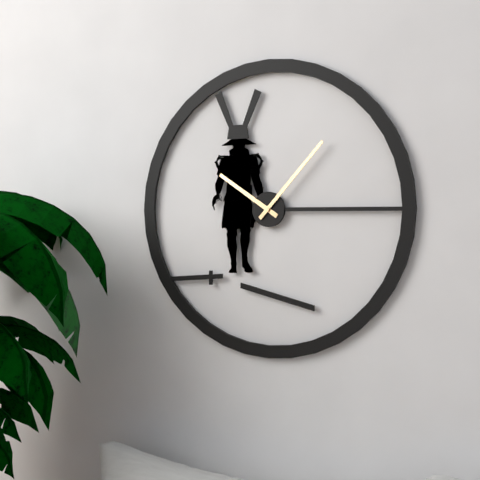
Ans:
**10:07**
